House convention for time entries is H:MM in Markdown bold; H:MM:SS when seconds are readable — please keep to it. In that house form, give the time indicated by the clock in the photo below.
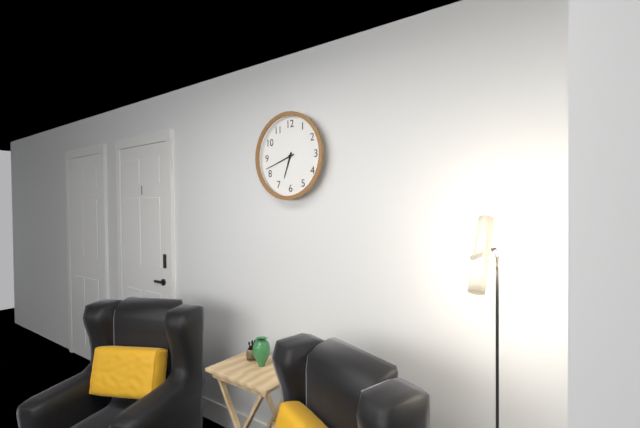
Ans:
**6:42**
